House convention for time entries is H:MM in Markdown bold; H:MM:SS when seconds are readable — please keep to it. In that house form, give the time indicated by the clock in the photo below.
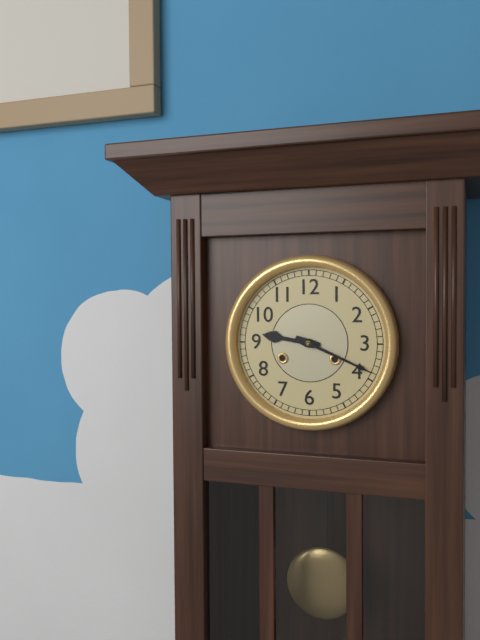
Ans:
**9:19**
